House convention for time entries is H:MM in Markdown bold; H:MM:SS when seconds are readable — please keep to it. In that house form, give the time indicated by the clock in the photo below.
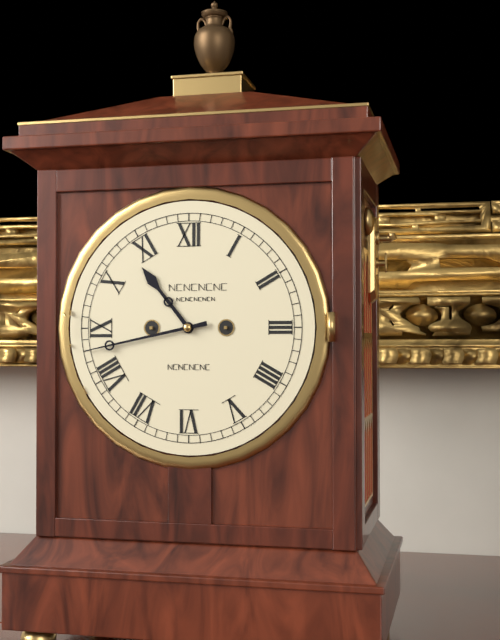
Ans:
**10:43**
